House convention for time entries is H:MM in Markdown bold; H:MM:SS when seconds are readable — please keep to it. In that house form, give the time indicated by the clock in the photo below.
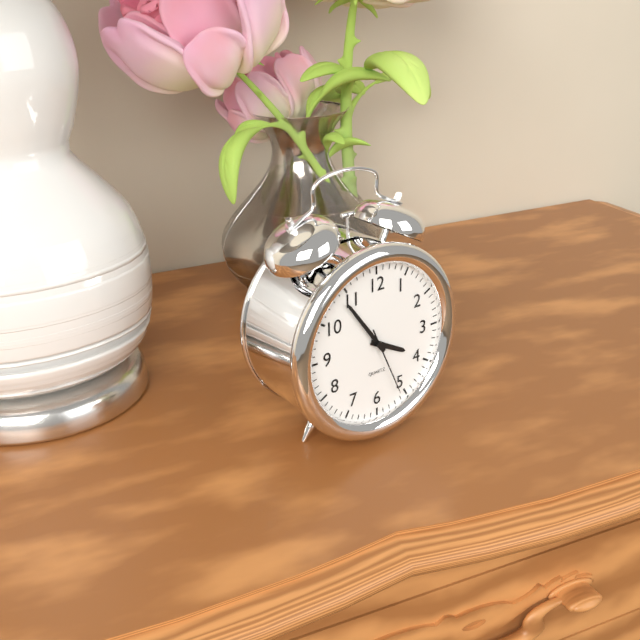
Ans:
**3:54:26**
